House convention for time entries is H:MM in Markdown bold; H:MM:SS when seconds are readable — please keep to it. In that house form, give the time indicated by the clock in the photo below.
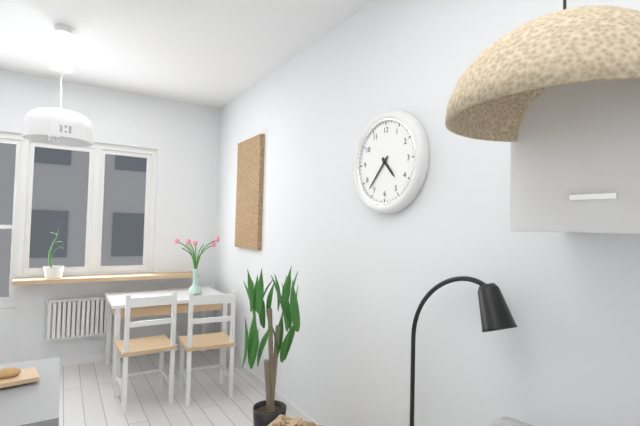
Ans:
**4:37**
